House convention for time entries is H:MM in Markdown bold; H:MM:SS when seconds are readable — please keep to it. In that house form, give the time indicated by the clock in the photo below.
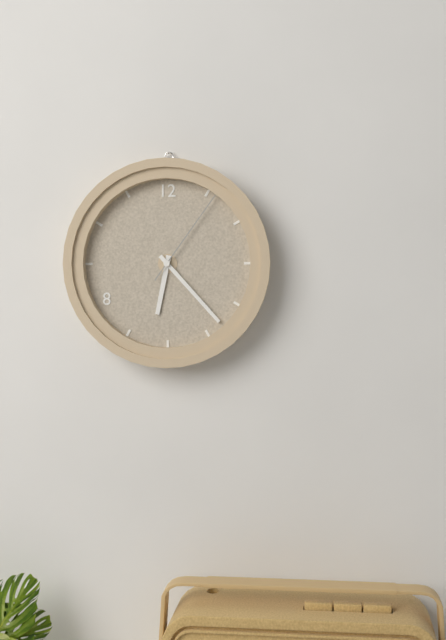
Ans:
**6:23:06**
